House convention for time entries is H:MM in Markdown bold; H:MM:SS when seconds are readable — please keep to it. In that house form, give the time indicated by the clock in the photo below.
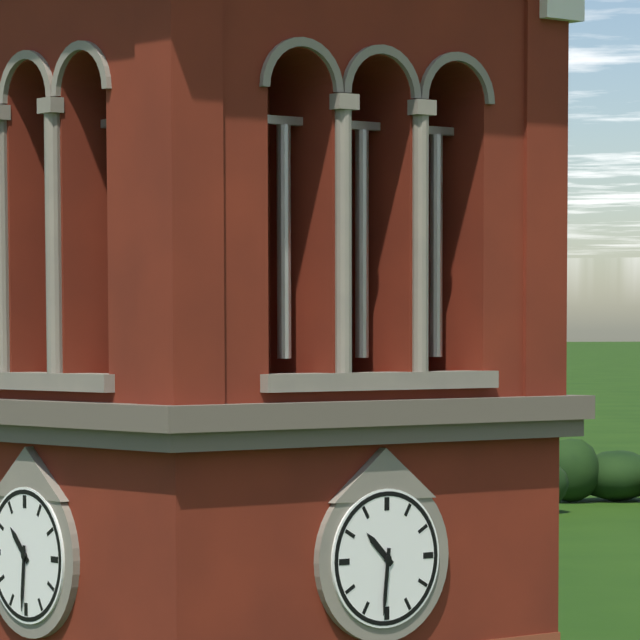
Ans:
**10:31**
